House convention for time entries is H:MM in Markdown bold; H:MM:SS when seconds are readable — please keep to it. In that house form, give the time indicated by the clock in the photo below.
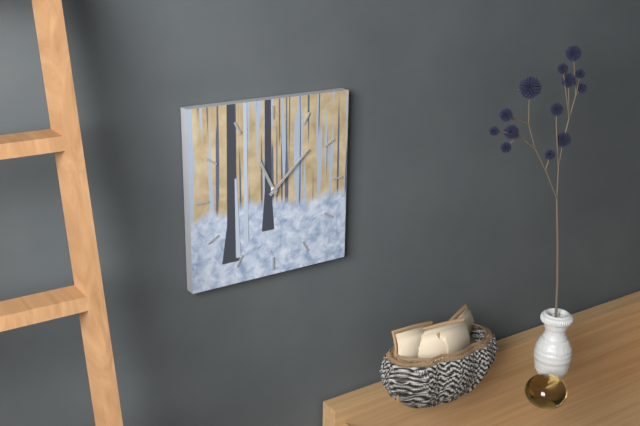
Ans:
**11:08**
